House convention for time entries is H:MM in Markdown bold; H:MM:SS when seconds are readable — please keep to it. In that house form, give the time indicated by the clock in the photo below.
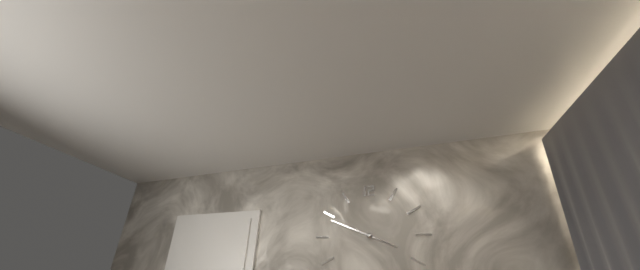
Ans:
**3:49**
